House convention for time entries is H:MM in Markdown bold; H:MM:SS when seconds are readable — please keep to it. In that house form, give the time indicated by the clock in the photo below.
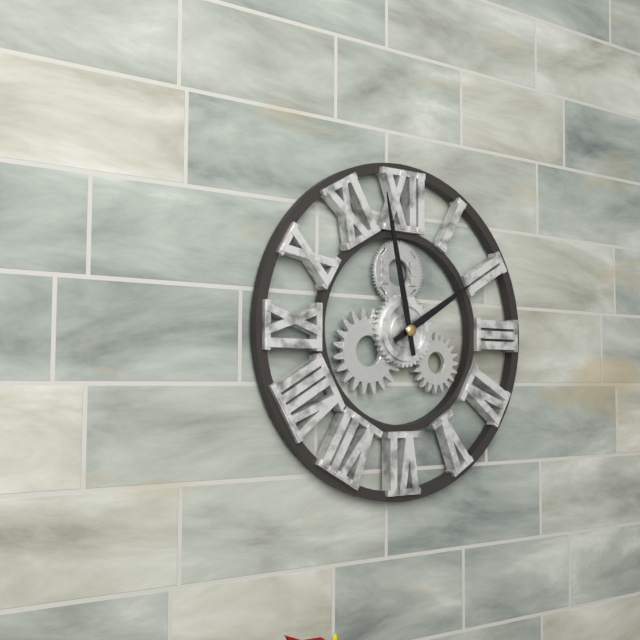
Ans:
**1:58**
